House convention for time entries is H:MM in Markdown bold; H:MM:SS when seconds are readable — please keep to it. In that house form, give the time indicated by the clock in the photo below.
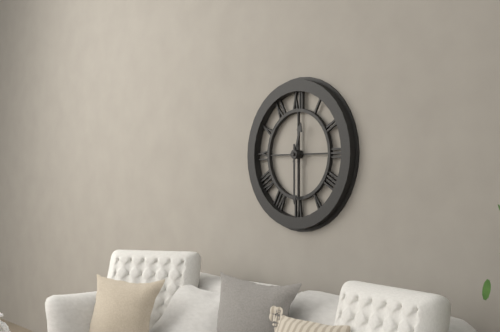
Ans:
**12:30**
